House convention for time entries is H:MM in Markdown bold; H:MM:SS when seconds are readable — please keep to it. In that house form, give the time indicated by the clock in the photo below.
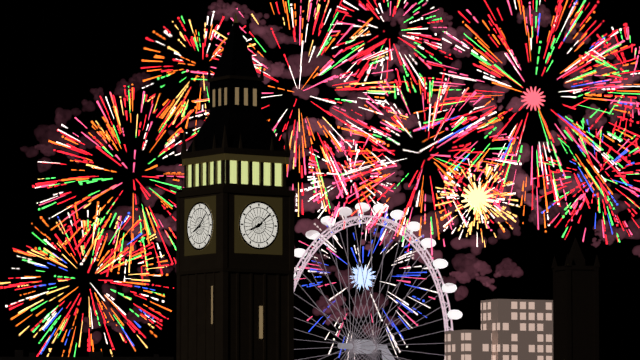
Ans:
**8:08**
